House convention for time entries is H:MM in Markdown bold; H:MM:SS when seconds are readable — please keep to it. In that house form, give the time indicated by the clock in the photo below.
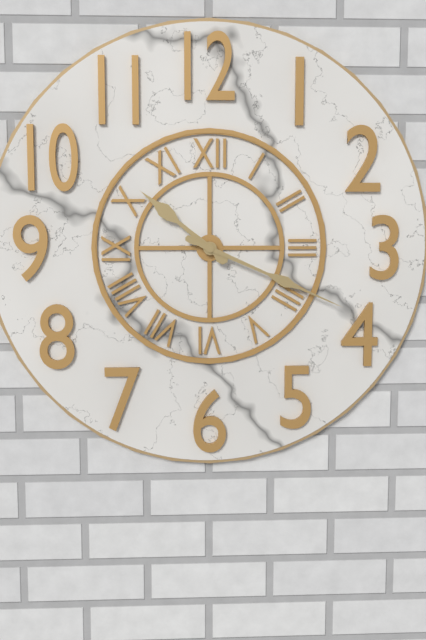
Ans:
**10:19**
